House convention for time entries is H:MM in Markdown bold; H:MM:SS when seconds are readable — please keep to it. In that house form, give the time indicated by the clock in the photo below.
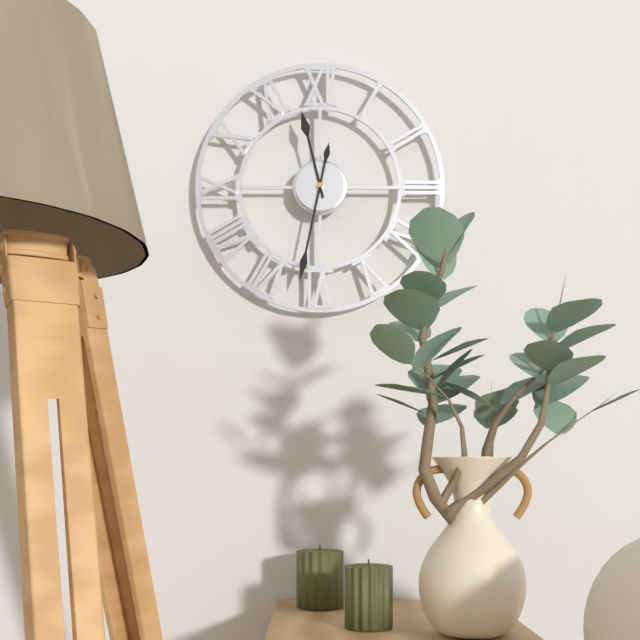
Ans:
**11:32**
